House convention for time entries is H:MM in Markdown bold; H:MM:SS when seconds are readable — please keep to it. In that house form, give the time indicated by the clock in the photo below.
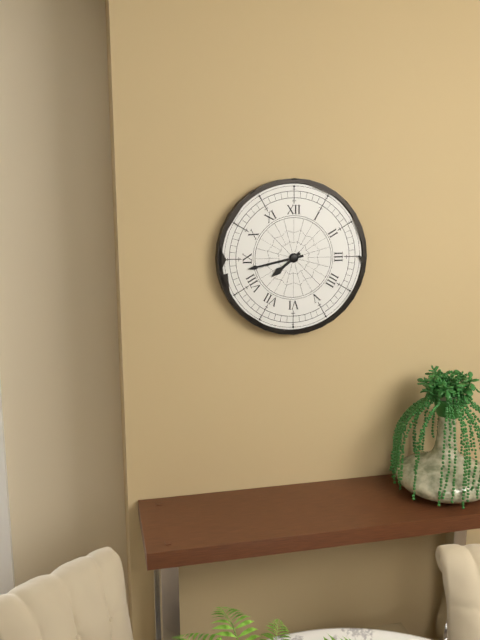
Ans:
**7:43**
